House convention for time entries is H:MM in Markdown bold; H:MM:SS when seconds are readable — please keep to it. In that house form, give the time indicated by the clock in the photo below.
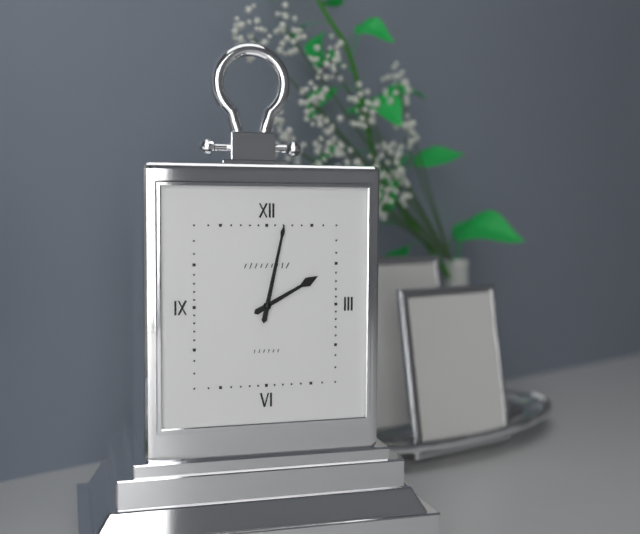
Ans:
**2:02**
